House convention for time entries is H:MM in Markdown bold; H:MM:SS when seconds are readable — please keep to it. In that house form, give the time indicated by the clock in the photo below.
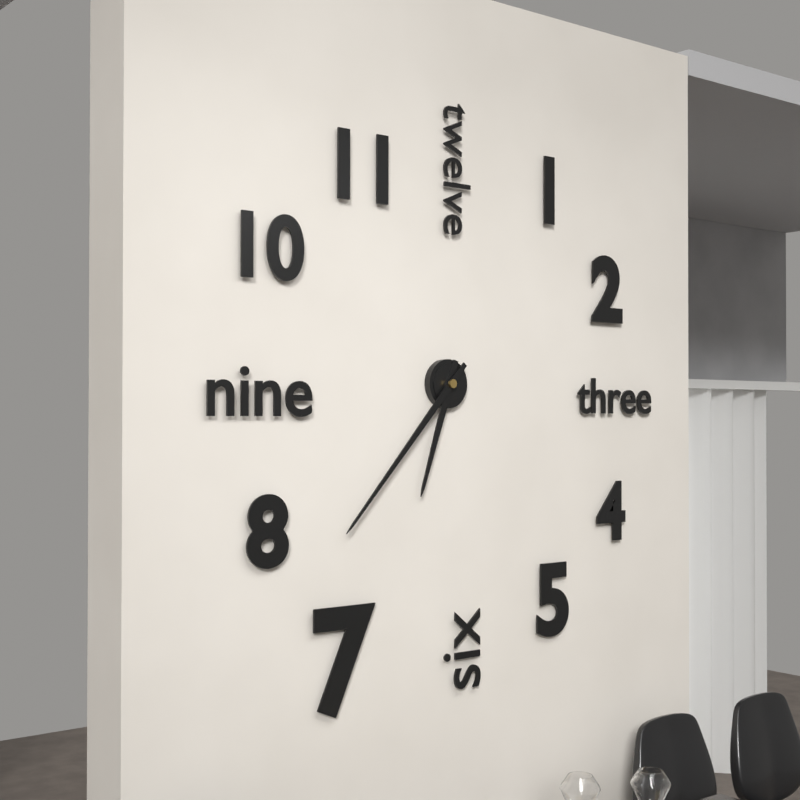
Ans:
**6:37**
